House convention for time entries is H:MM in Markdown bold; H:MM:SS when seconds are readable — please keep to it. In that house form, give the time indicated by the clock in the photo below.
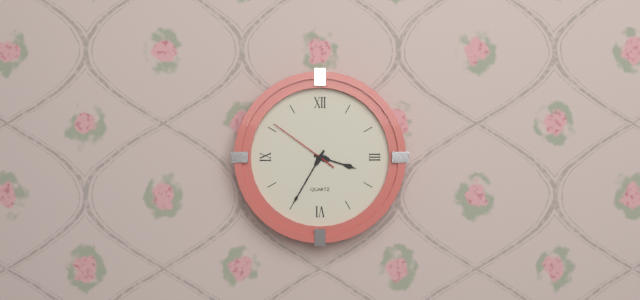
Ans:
**3:35:51**
